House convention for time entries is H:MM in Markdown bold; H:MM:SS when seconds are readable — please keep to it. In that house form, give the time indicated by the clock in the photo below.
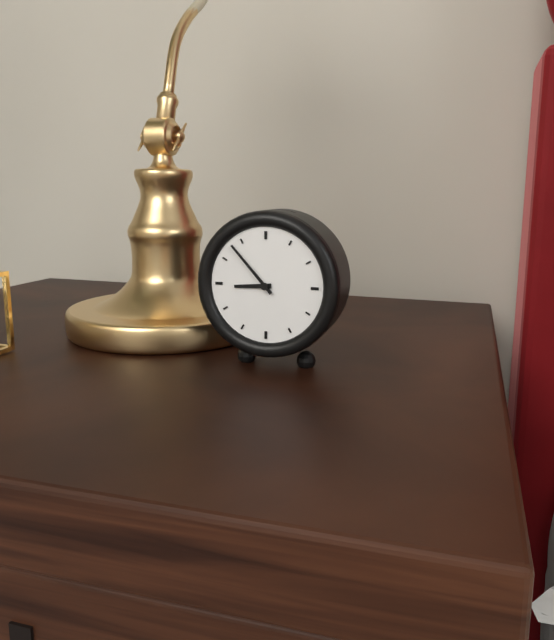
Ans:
**8:53**
